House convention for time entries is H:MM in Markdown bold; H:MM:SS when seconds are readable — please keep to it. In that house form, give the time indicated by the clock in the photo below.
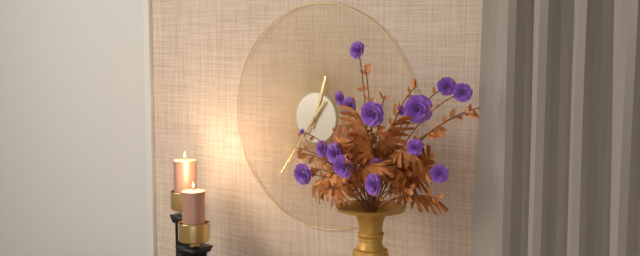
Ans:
**12:36**
